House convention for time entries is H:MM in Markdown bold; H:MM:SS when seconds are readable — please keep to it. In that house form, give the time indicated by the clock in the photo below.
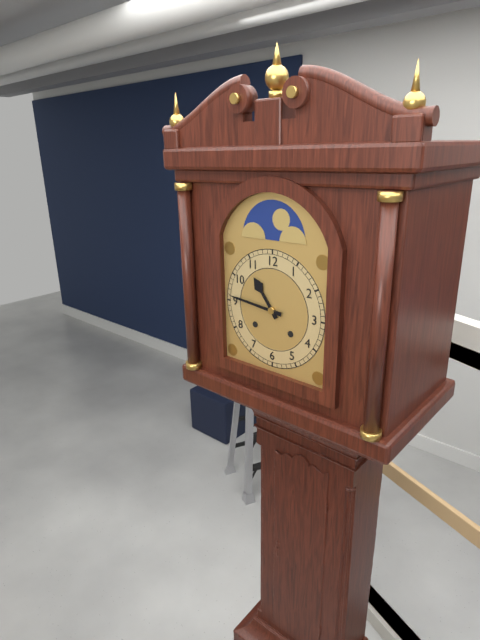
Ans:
**10:46**
